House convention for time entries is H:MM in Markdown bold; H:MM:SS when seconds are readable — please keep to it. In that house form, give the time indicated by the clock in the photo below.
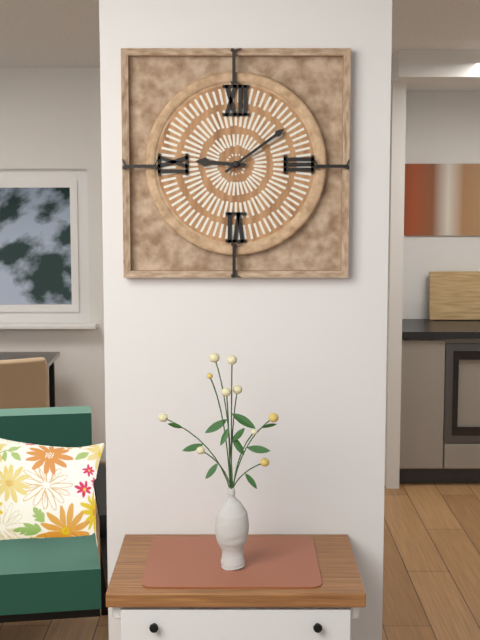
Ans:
**9:09**
